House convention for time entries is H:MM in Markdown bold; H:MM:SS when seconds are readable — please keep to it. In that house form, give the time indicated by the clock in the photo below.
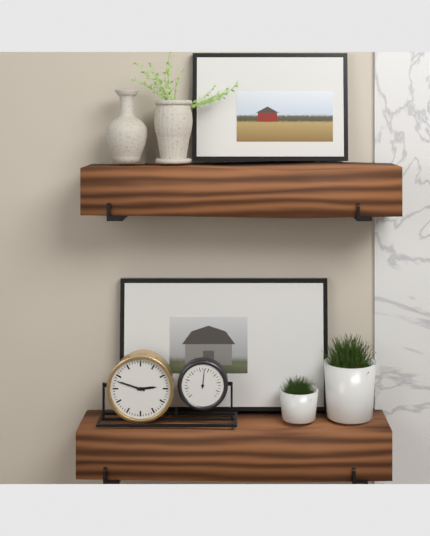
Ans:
**2:48**
